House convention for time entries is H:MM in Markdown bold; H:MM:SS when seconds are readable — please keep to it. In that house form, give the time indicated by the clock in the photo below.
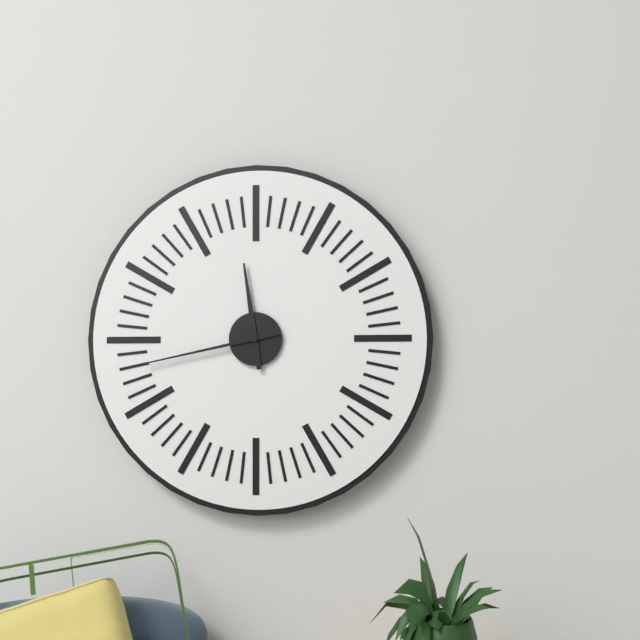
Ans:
**11:43**
